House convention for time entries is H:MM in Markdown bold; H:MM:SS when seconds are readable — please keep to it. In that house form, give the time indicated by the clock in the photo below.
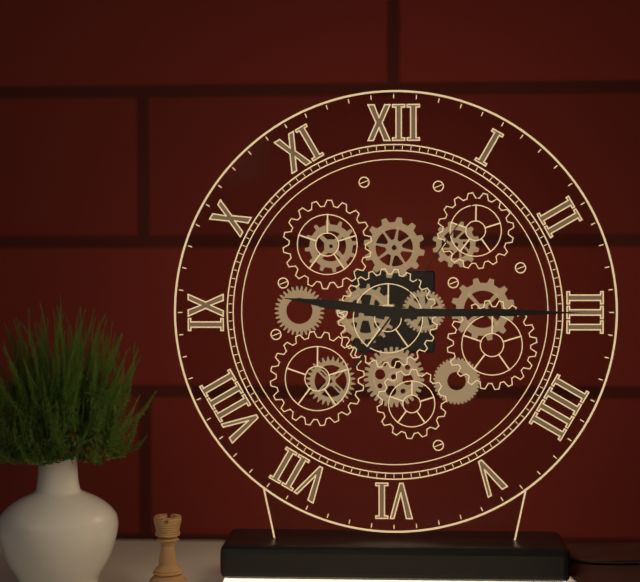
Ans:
**9:15:06**
